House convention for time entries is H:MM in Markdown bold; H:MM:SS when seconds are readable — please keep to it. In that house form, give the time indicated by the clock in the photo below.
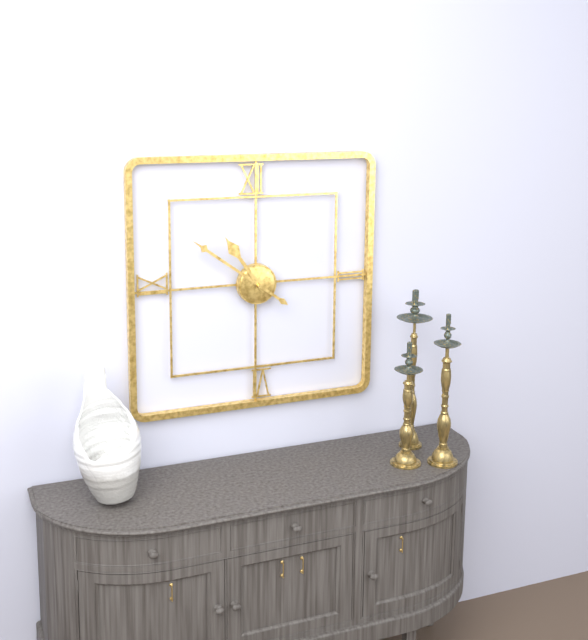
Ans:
**10:51**
